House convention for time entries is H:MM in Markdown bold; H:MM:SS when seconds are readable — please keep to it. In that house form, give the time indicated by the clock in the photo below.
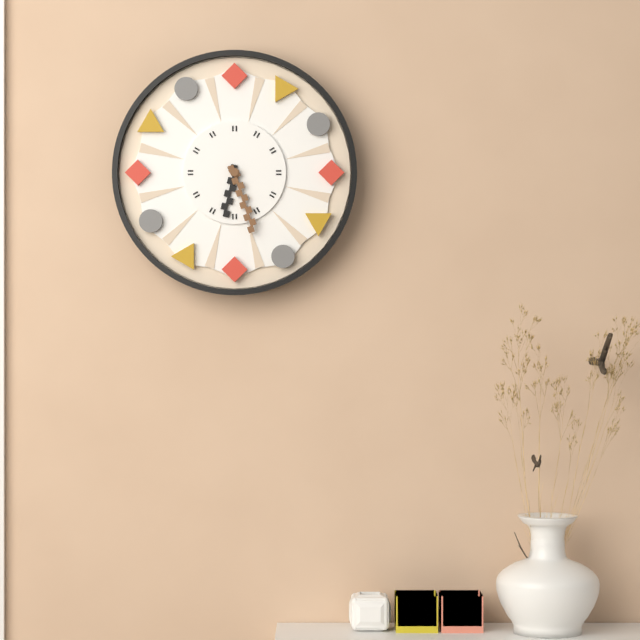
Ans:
**6:27**
